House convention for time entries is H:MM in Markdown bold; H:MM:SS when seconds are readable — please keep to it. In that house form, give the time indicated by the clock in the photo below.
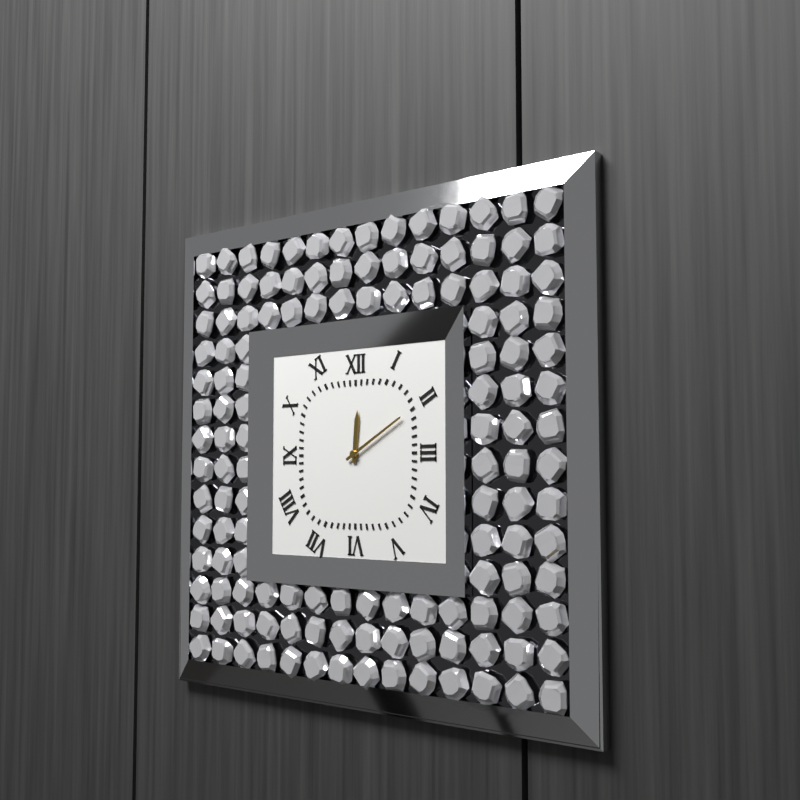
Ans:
**12:10**
